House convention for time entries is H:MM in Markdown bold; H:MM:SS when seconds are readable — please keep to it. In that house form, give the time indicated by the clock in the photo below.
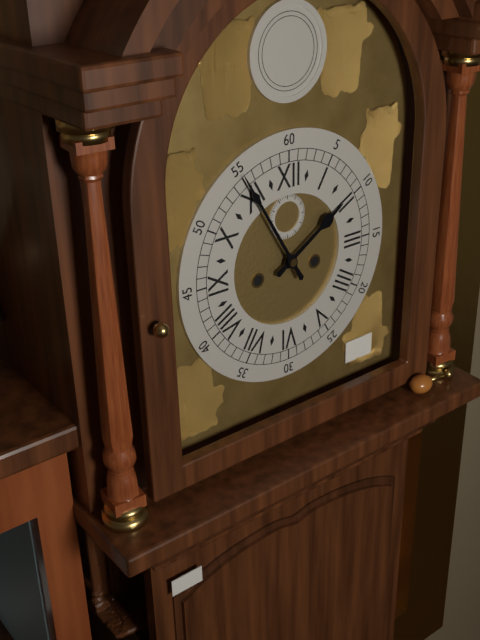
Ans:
**1:55**
